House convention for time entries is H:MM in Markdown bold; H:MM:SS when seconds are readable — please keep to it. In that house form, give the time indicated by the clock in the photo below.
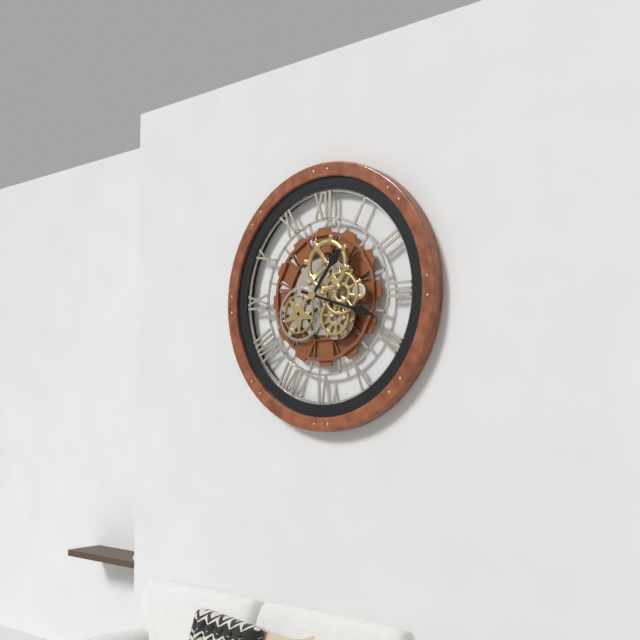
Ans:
**1:18**
